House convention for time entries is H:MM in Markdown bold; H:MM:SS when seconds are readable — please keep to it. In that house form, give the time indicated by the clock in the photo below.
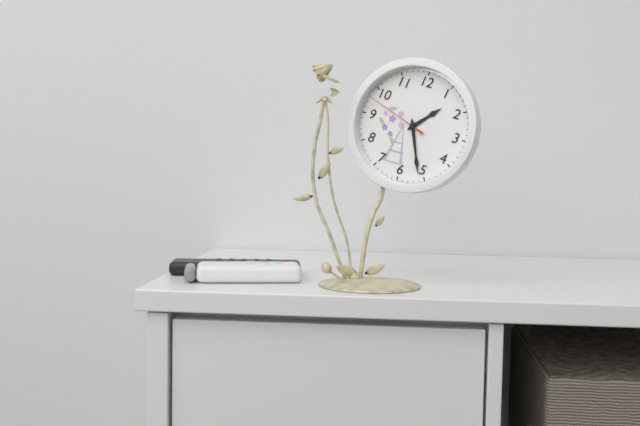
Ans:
**1:26:48**
